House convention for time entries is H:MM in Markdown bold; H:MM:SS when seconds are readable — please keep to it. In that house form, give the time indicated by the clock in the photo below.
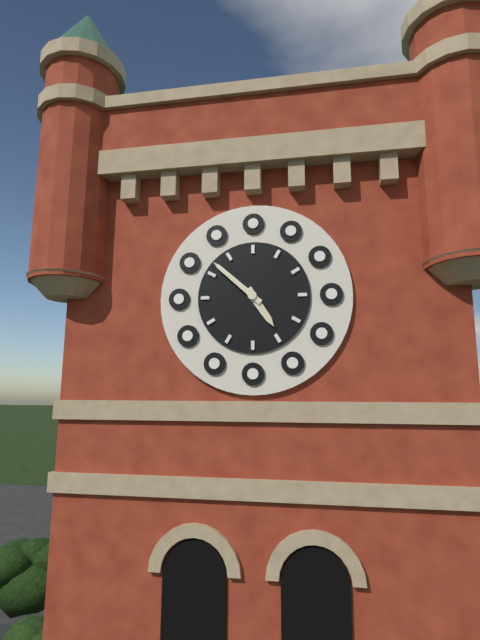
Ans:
**4:52**
